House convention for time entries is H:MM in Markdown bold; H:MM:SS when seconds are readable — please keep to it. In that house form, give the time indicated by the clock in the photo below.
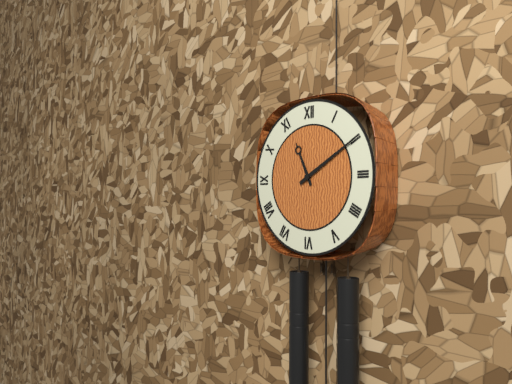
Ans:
**11:10**
